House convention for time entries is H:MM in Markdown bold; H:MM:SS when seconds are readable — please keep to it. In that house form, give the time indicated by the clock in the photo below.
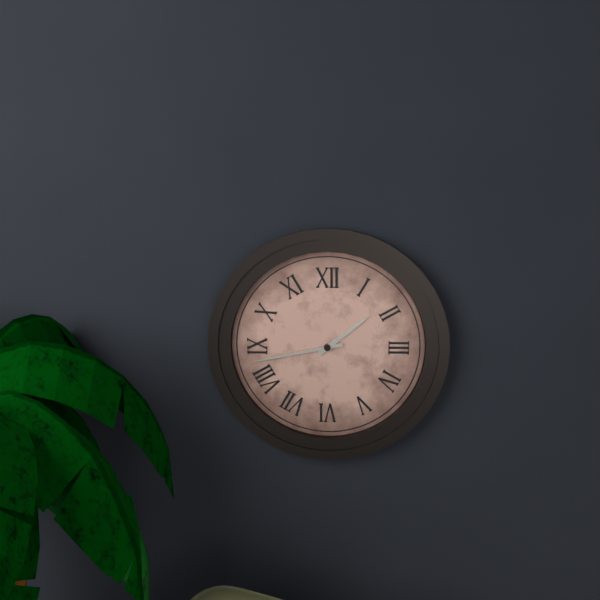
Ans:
**1:43**
